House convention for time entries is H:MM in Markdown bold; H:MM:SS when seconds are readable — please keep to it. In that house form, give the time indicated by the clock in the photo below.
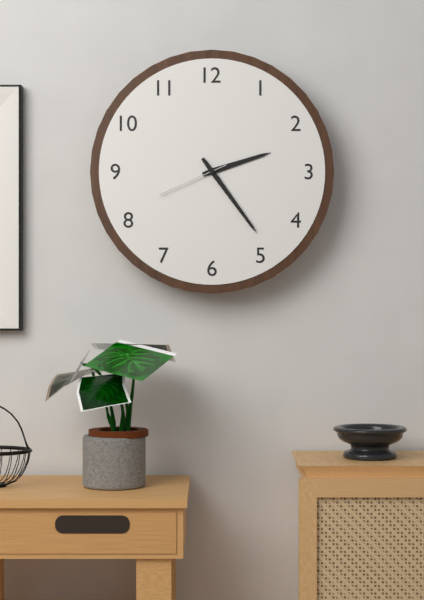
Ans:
**2:24:41**
